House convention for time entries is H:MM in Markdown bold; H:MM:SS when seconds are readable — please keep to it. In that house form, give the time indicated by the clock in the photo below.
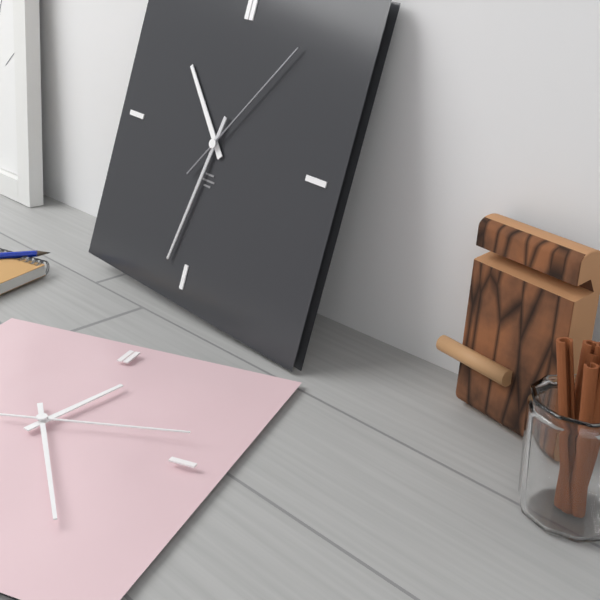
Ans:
**10:32:06**
